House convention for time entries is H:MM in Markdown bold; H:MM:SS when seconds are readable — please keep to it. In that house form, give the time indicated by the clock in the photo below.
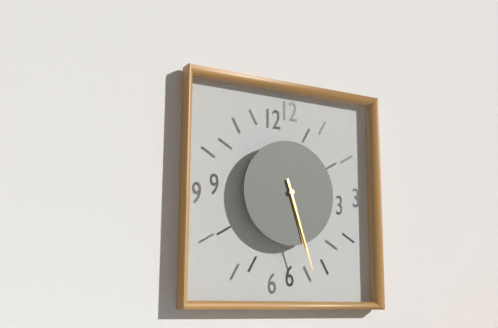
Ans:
**5:27**
